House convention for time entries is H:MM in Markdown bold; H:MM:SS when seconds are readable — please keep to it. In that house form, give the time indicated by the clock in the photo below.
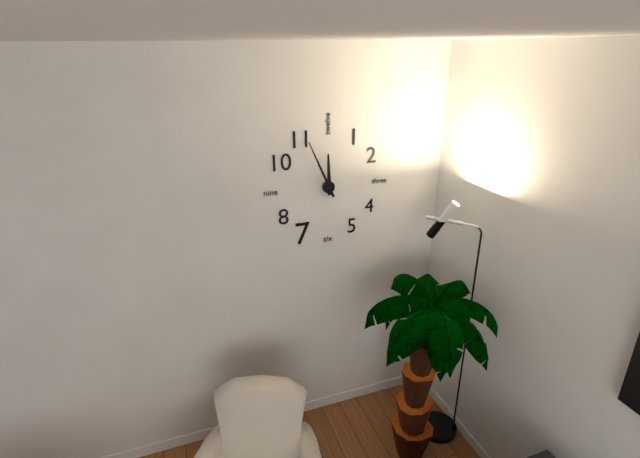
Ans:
**11:56**
